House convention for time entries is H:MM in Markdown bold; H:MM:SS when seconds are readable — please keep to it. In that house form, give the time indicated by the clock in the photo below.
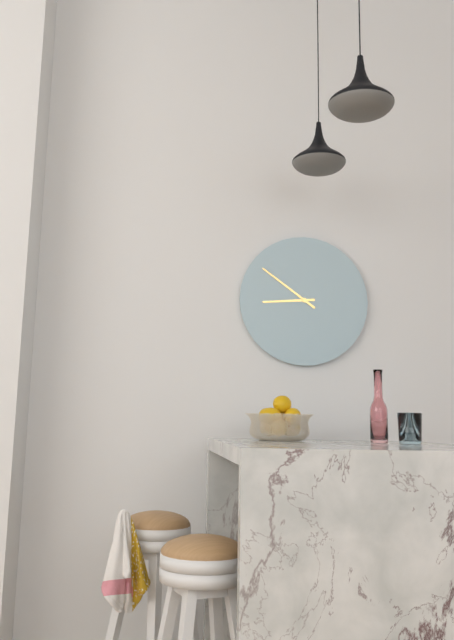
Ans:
**8:51**
